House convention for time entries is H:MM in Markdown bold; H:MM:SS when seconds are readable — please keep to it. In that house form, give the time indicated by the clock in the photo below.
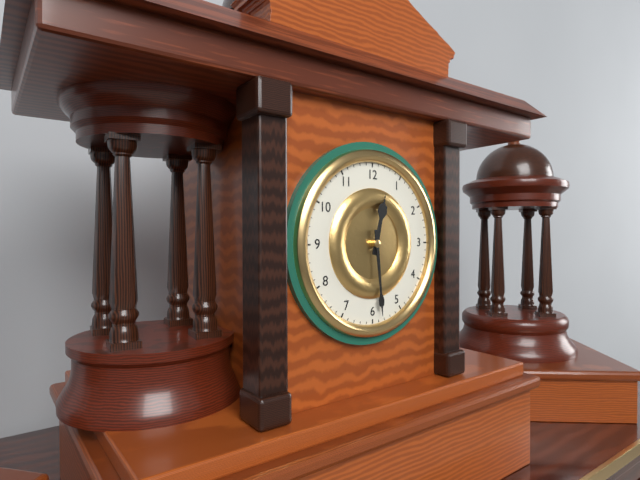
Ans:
**12:29**
